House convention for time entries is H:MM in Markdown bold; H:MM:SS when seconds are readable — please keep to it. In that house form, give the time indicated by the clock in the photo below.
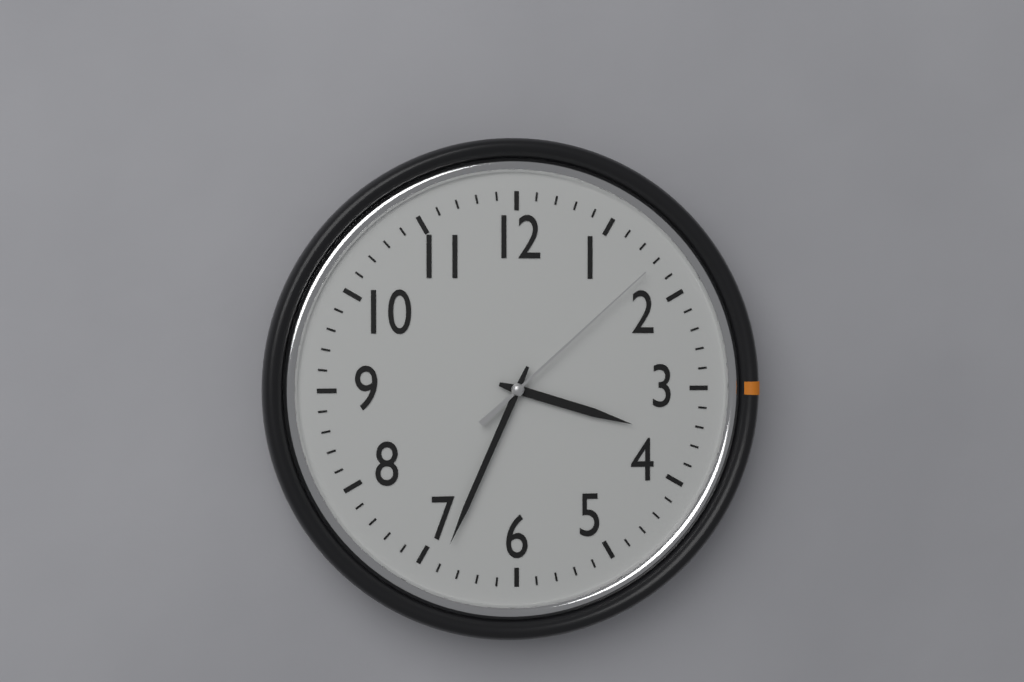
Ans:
**3:34:08**
